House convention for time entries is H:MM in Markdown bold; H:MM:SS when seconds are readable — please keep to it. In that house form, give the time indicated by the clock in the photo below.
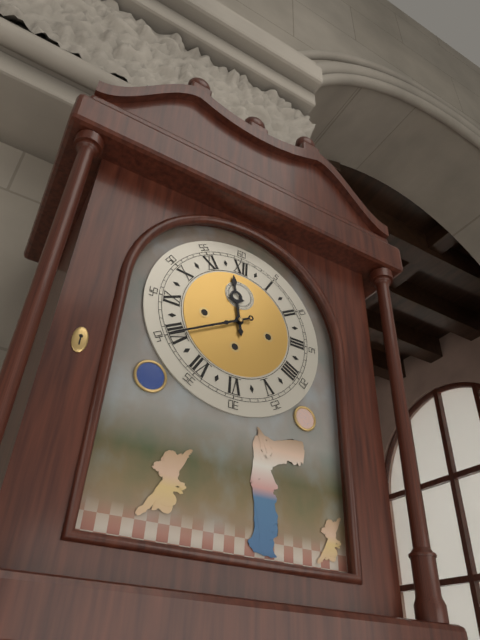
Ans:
**11:40**
